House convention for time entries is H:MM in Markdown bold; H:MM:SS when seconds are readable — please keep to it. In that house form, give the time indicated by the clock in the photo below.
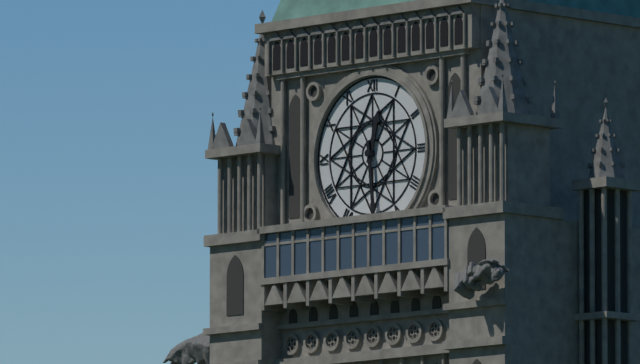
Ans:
**12:29**
